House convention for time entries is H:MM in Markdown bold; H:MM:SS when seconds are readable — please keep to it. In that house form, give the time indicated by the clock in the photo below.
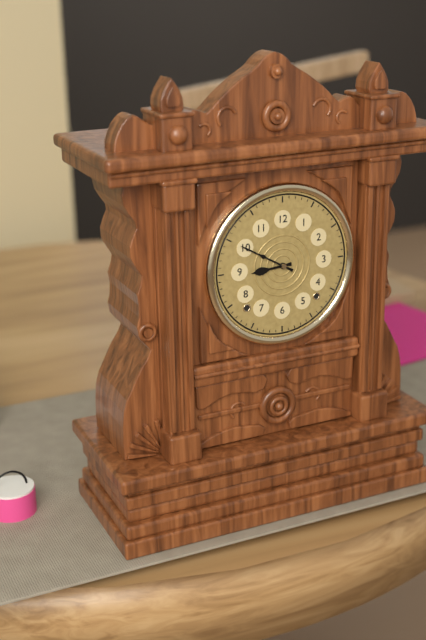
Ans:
**8:50**
